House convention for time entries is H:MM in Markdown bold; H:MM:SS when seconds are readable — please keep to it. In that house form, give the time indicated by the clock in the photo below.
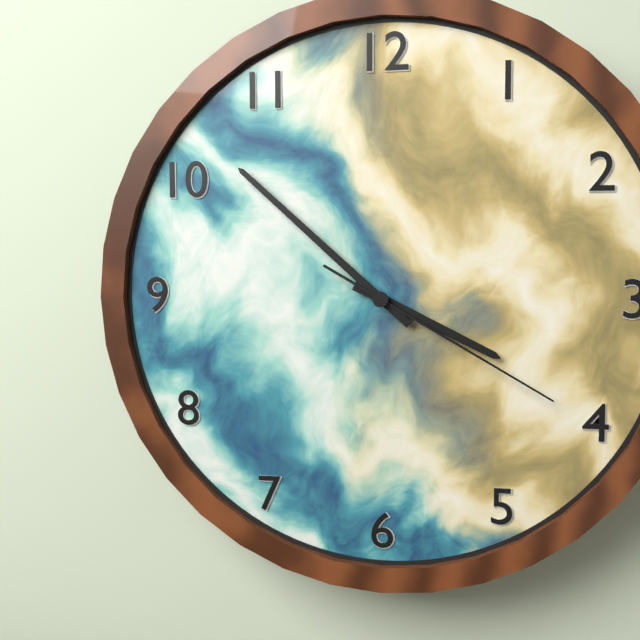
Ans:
**3:52:20**
